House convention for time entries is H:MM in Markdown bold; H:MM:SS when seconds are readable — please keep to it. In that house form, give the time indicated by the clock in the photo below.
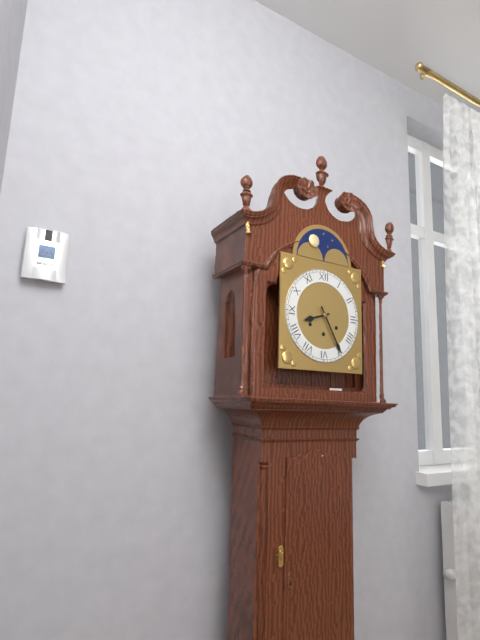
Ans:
**8:25**
